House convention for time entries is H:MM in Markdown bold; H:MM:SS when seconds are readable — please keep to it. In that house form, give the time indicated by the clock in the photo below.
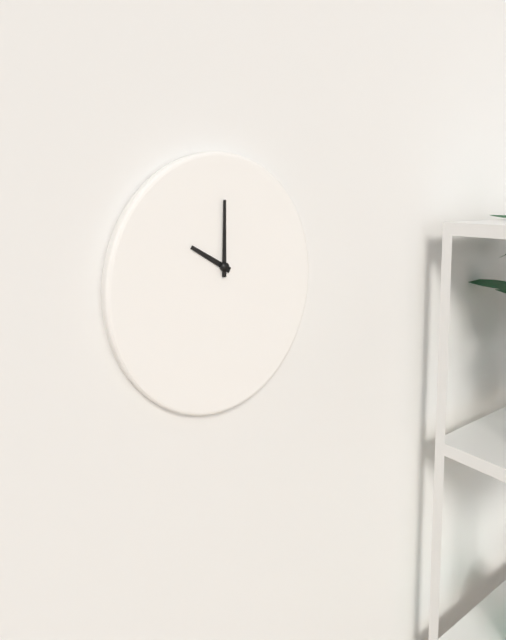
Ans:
**10:00**
